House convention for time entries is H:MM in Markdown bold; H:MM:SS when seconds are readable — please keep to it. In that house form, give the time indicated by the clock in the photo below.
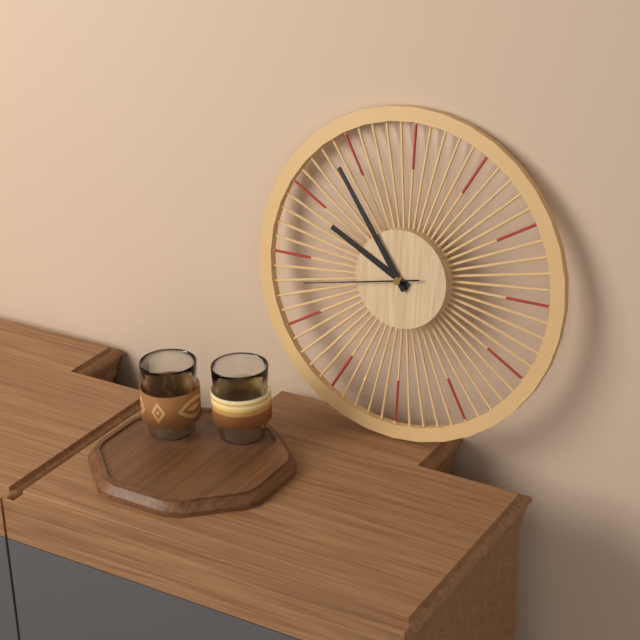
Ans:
**9:54:43**
